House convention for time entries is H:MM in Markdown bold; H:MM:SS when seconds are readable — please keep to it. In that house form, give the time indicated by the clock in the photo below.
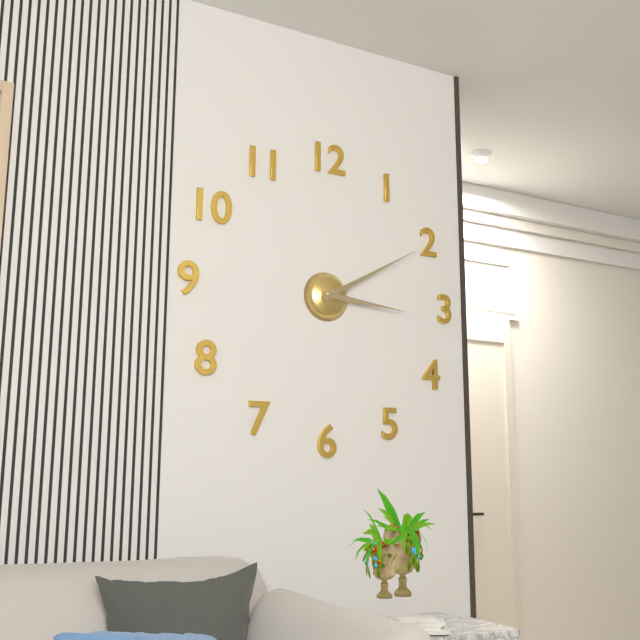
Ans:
**3:10**
